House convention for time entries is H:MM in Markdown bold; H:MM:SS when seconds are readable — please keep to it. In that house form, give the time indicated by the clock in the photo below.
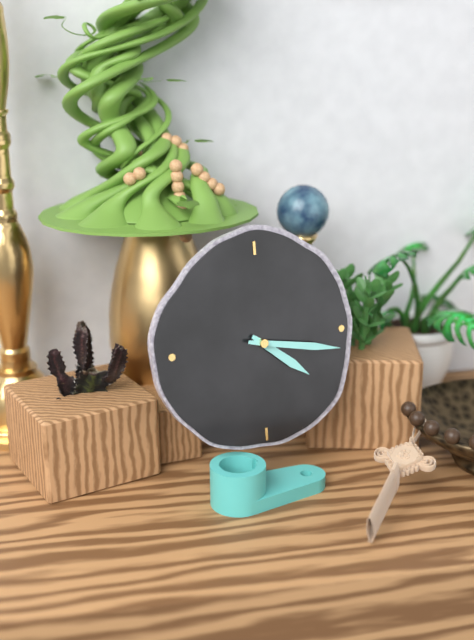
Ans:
**4:17**
